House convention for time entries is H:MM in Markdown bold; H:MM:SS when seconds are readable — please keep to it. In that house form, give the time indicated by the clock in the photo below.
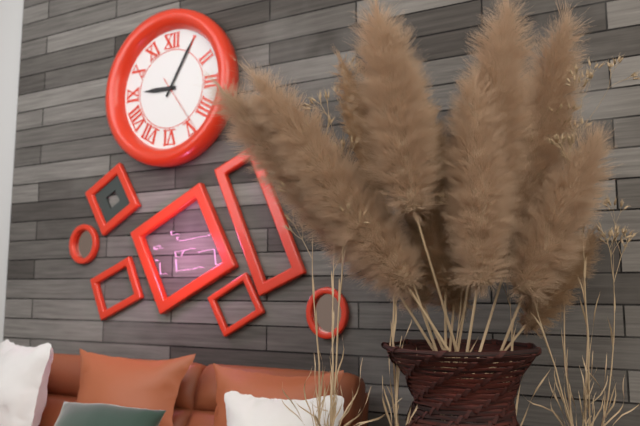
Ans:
**9:05:24**
